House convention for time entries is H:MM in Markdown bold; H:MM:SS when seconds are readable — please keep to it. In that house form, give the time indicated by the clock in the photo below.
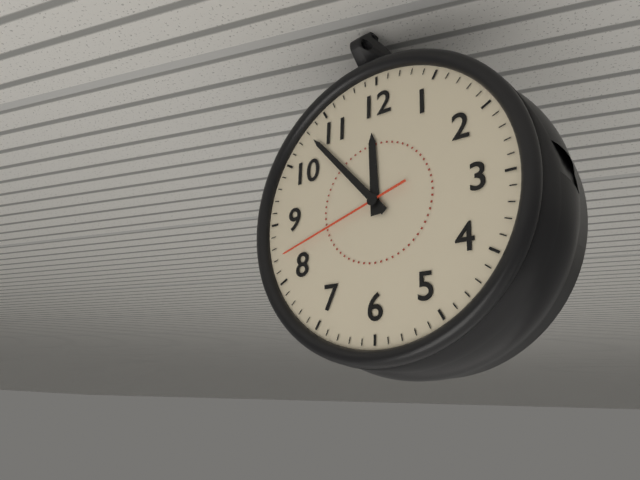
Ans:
**11:53:42**
